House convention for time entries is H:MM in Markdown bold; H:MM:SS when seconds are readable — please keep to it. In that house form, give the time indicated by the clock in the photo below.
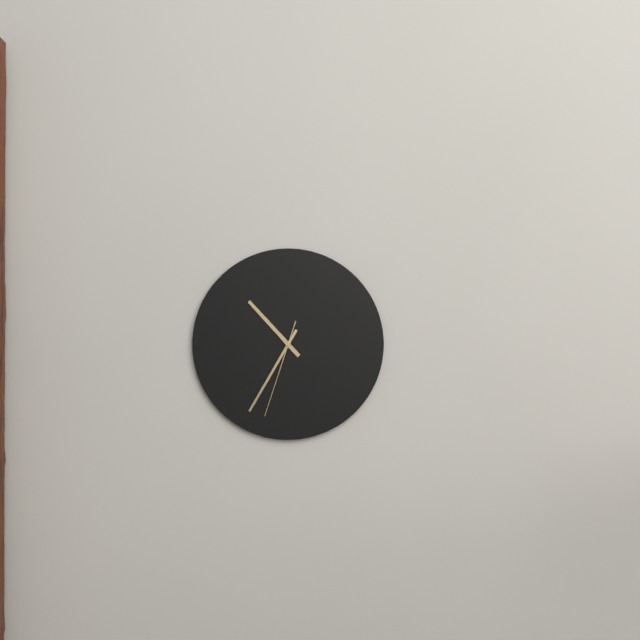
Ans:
**10:35:33**
